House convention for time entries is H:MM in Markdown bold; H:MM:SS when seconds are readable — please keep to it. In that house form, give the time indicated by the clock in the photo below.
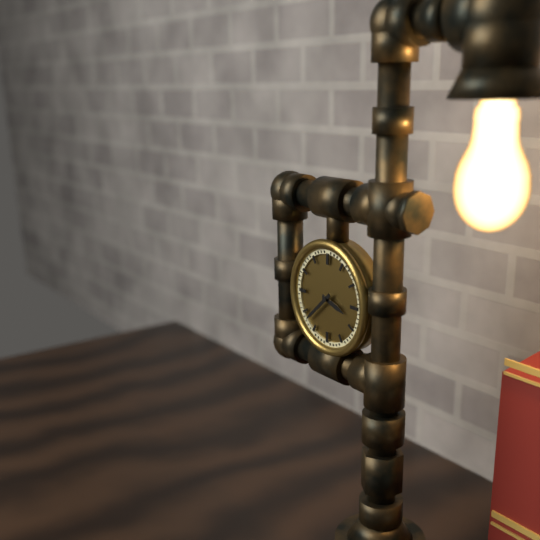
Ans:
**3:38**
